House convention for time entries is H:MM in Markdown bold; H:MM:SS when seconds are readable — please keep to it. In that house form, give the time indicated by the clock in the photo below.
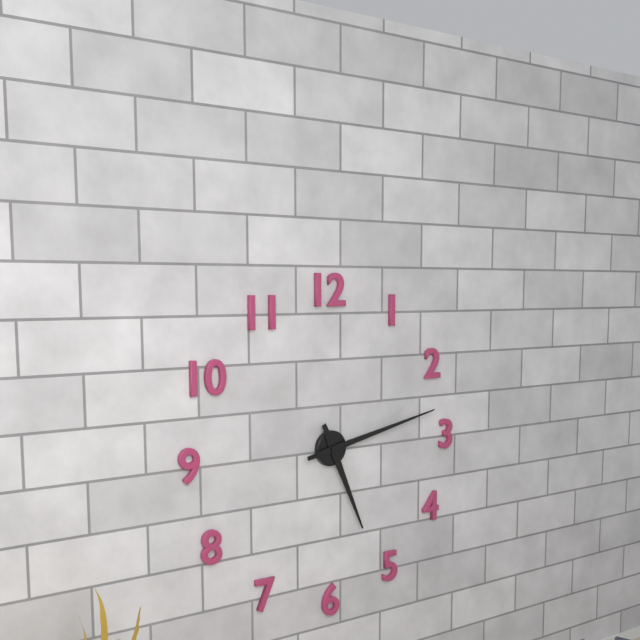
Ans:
**5:13**
